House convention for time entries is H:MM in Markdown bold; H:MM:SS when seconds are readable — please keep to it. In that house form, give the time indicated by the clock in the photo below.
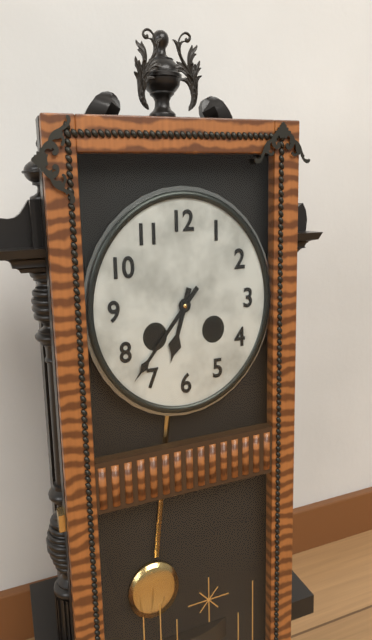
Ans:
**6:37**
